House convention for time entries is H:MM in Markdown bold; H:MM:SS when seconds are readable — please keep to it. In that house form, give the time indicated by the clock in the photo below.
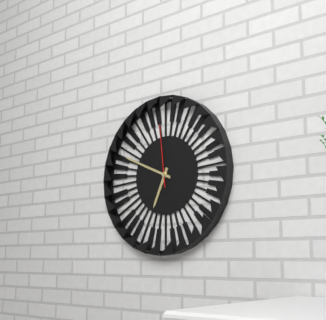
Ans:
**6:49:59**
